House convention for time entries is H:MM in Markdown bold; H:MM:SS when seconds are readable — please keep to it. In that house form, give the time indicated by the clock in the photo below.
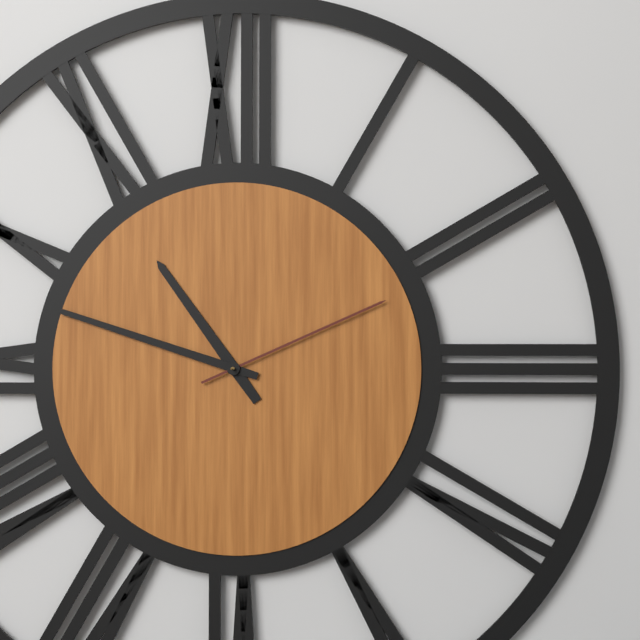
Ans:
**10:48:11**
